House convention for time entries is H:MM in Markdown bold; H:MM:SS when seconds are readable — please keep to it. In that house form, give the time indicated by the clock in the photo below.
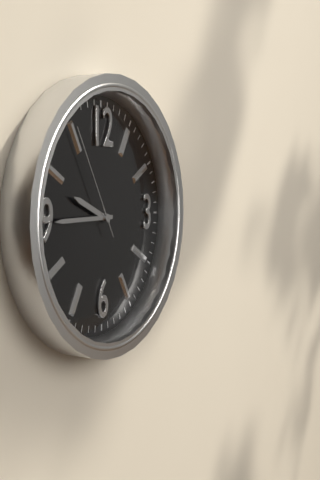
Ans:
**9:45:55**
